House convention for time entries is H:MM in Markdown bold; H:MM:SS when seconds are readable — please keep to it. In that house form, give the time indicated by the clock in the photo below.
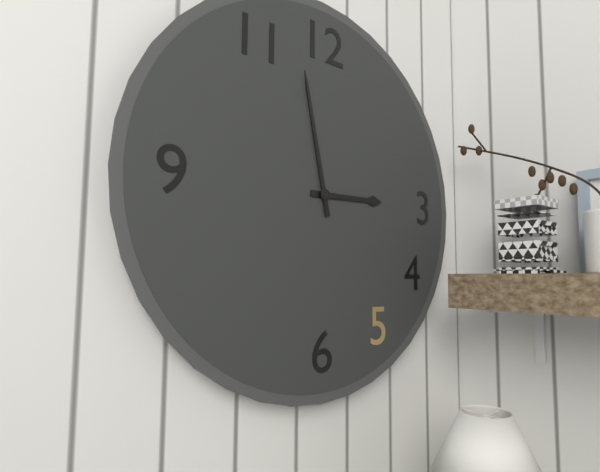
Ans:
**2:58**
